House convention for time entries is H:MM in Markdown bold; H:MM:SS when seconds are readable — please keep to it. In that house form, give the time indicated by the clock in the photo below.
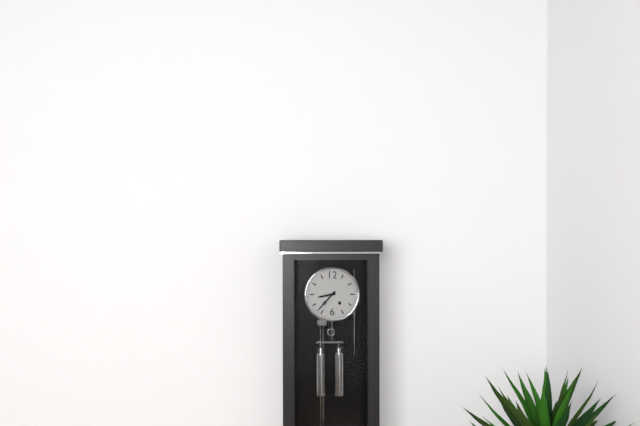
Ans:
**8:37**
